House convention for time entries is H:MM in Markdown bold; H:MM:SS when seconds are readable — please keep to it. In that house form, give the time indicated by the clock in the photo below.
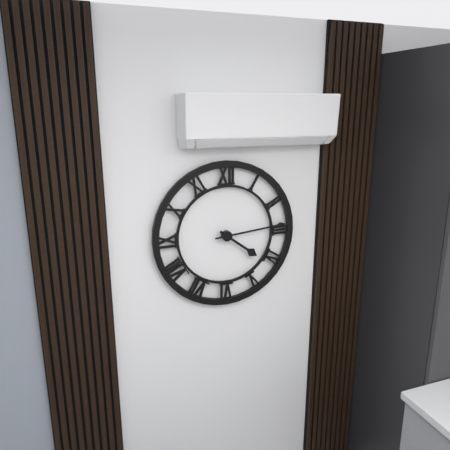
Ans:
**4:14**
